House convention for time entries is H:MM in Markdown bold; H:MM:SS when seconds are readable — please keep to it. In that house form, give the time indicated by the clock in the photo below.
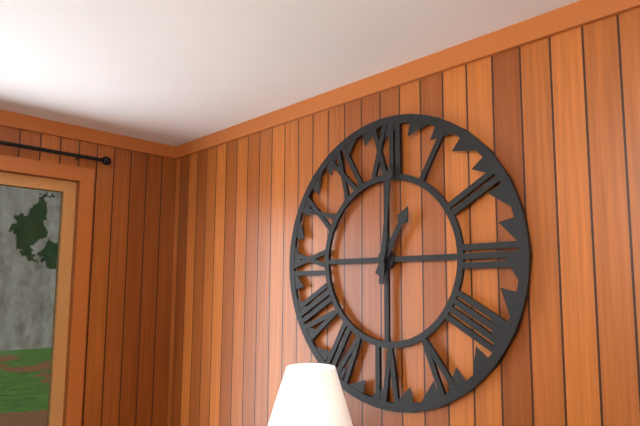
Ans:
**1:01**
